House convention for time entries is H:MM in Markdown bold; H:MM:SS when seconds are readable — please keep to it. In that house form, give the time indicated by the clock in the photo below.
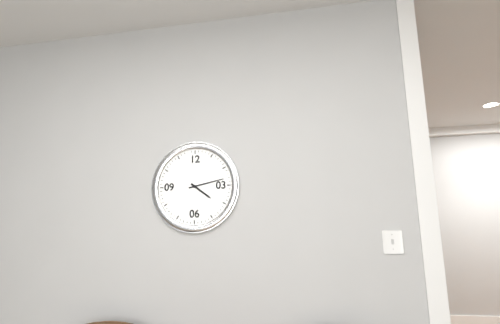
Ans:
**4:13**
